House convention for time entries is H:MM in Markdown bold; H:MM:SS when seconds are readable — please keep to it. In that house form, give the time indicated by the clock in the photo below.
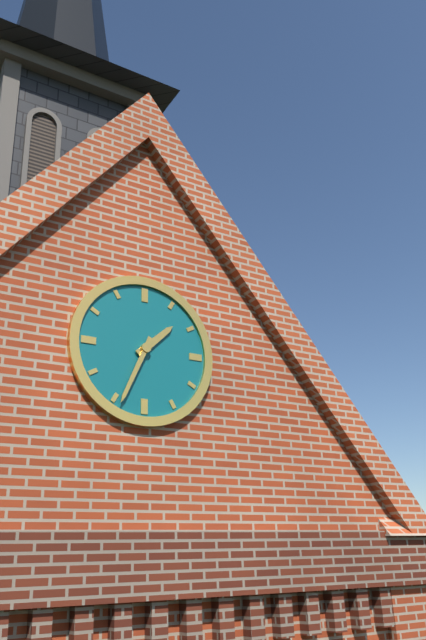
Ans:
**1:34**
